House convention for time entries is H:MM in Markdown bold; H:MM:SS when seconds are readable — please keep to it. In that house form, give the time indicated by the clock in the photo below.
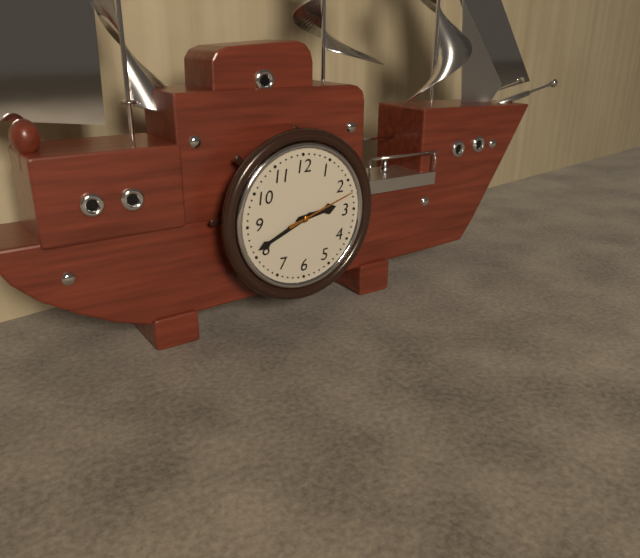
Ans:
**2:41:12**
